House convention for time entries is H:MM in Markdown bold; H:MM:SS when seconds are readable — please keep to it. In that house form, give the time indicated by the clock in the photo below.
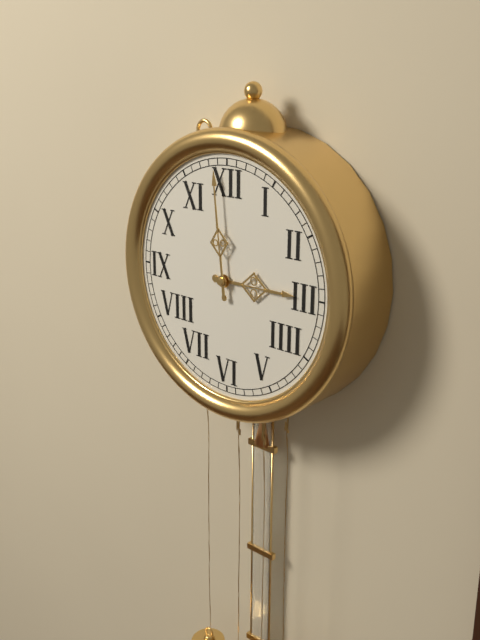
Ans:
**2:59**
